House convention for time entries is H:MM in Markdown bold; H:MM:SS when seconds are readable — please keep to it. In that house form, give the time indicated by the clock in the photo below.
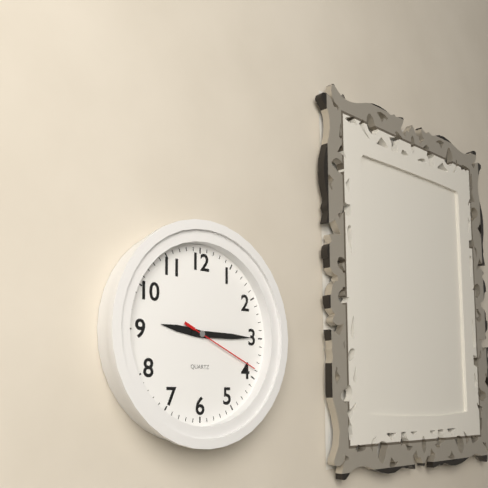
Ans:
**9:15:19**
